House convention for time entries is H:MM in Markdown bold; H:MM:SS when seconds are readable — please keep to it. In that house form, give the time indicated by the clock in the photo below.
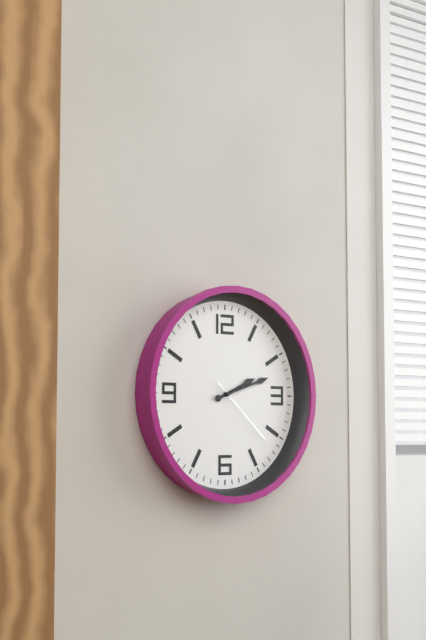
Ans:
**2:12:22**
